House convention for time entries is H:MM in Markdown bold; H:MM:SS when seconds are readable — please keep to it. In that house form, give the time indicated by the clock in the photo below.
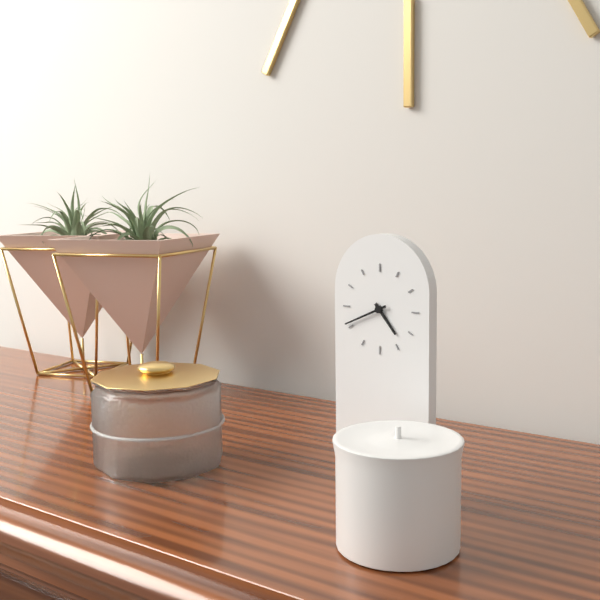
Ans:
**4:41**
